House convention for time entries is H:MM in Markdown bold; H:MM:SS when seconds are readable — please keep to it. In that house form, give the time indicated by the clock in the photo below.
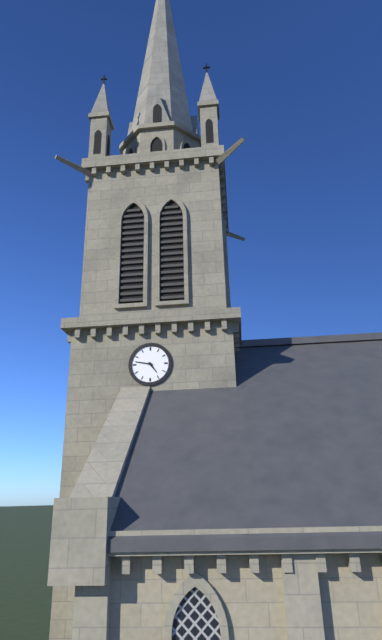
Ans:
**4:47**
